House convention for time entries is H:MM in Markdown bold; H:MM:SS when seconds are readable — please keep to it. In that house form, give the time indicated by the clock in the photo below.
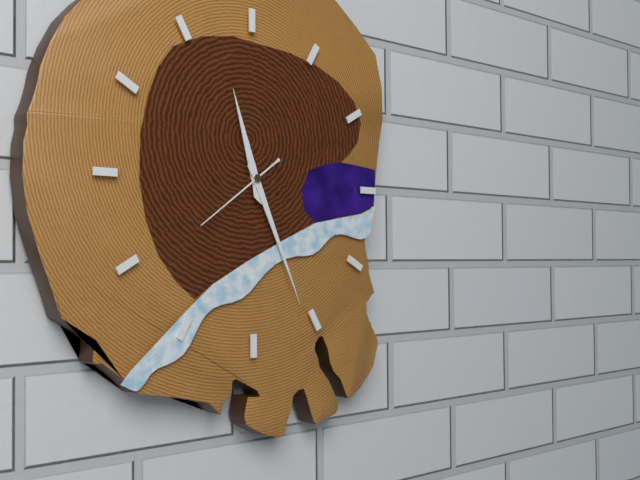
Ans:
**11:26:39**
